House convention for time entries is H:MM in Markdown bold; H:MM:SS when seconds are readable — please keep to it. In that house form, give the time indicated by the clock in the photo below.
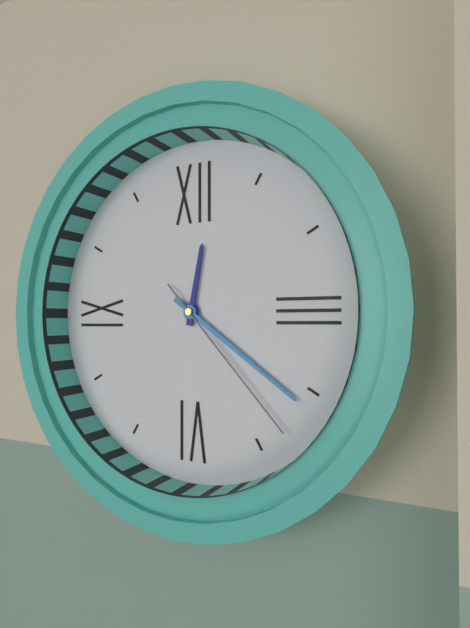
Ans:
**12:21:23**
